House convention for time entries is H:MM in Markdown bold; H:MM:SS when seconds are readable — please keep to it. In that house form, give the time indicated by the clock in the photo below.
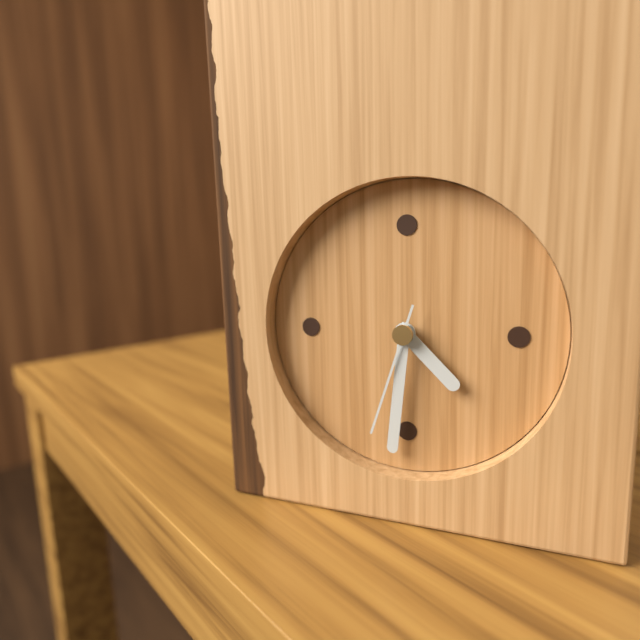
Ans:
**4:31:33**
